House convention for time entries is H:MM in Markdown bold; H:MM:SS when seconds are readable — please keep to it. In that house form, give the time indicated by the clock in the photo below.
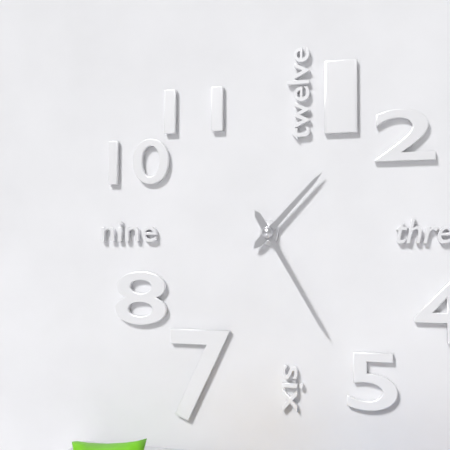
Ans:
**1:25**
